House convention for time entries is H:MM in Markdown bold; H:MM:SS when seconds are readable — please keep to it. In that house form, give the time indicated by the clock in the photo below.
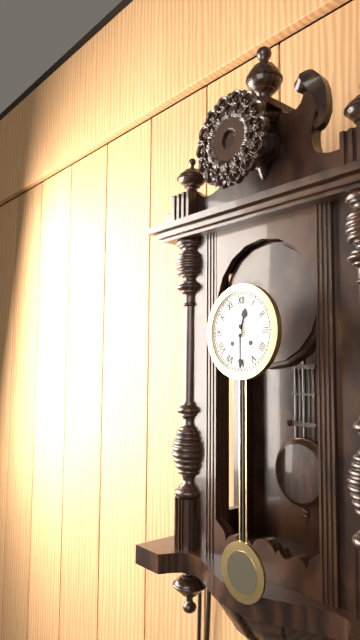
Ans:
**12:30**
